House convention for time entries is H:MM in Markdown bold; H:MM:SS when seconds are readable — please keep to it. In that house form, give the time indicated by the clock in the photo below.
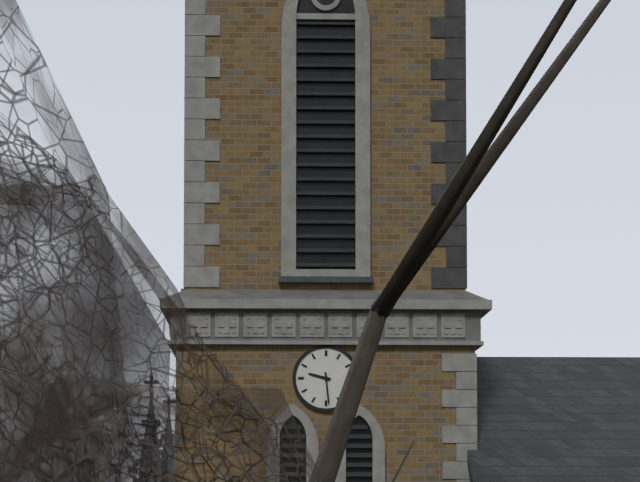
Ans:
**9:29**
